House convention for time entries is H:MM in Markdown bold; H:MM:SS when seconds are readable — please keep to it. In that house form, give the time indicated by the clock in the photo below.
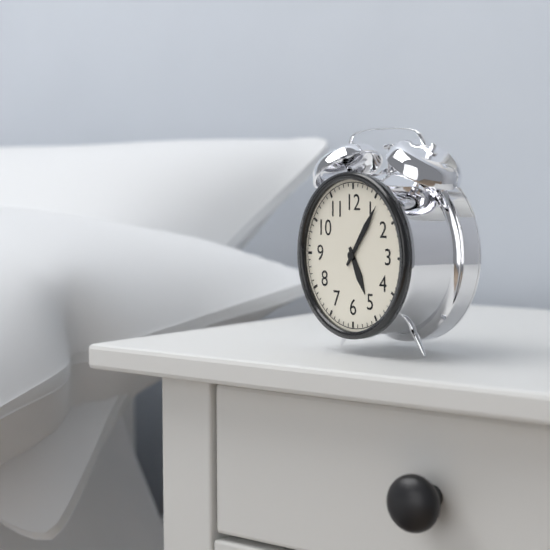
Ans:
**5:06**
